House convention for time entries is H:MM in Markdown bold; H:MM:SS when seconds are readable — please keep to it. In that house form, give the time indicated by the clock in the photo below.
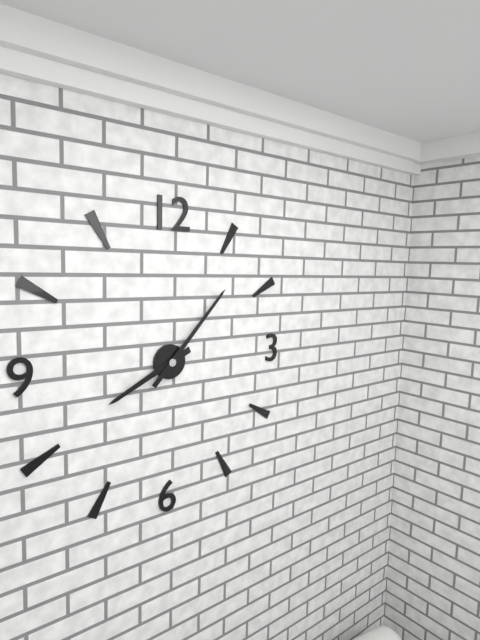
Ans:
**8:07**
